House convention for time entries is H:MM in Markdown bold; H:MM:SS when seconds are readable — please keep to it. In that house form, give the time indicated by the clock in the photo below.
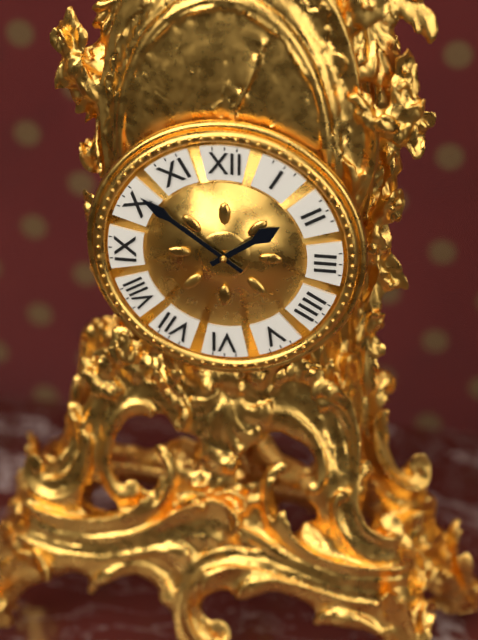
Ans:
**1:51**
